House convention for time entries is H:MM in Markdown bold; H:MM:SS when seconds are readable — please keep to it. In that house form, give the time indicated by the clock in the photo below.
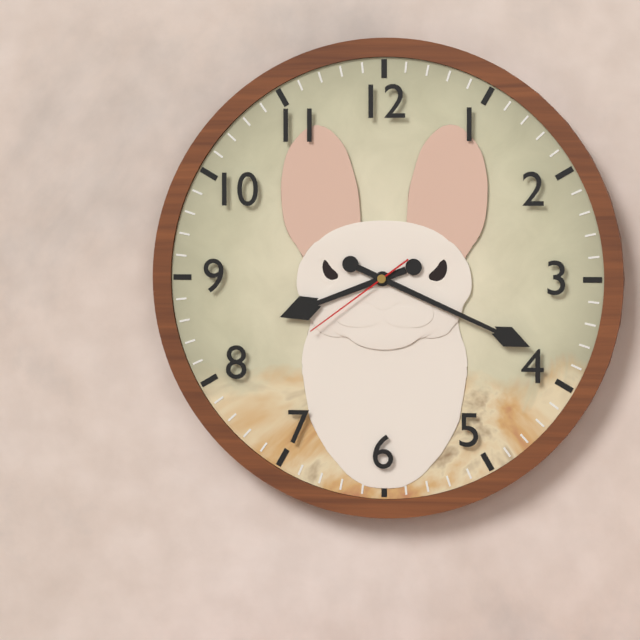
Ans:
**8:19:39**
